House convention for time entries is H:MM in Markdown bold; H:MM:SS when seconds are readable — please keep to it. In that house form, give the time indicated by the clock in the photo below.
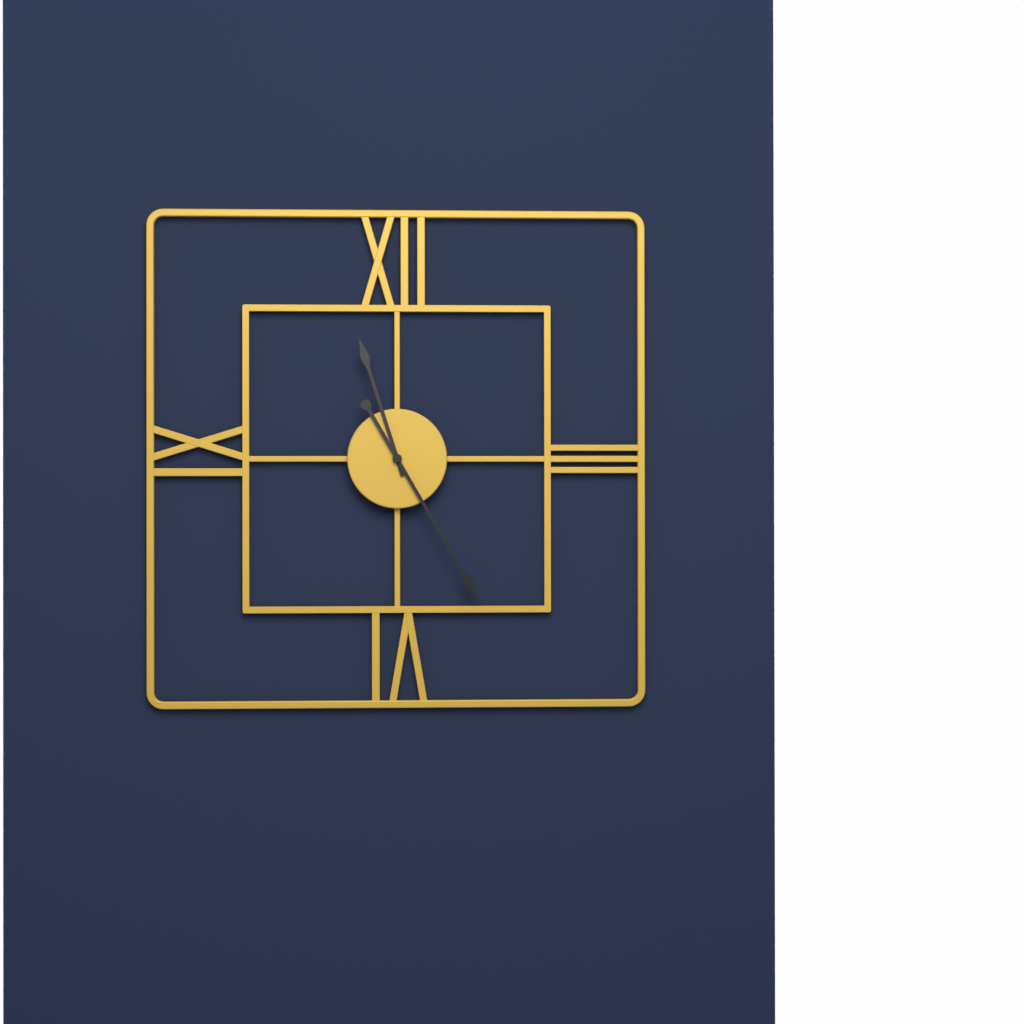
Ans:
**11:25**
